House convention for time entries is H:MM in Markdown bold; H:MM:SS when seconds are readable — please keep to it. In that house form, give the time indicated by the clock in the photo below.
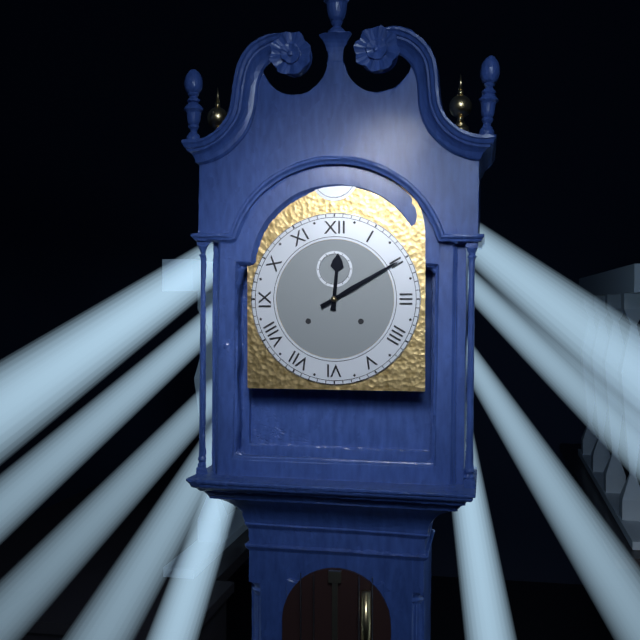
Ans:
**12:10**
